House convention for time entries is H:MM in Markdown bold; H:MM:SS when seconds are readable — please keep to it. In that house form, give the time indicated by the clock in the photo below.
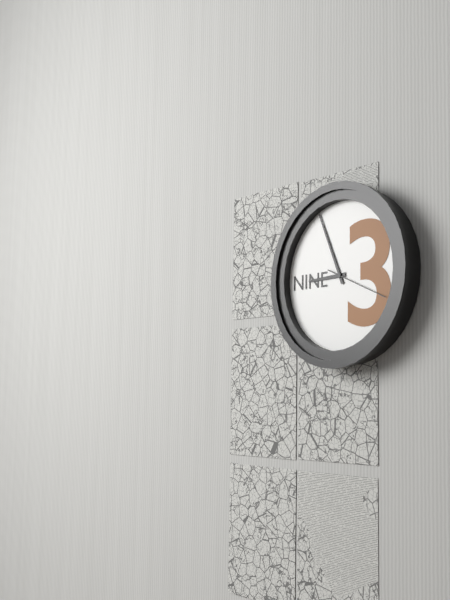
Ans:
**8:56:19**
